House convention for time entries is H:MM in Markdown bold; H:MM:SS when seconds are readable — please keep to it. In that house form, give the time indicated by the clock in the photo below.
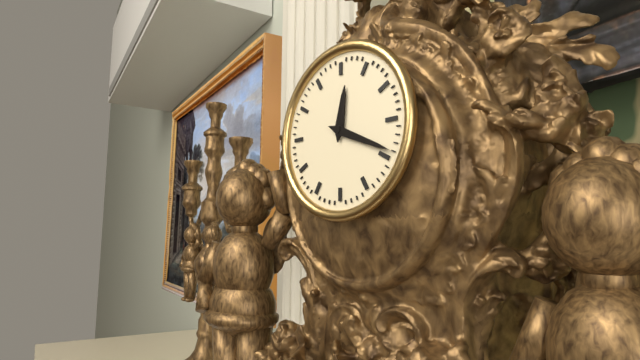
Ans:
**12:19**
